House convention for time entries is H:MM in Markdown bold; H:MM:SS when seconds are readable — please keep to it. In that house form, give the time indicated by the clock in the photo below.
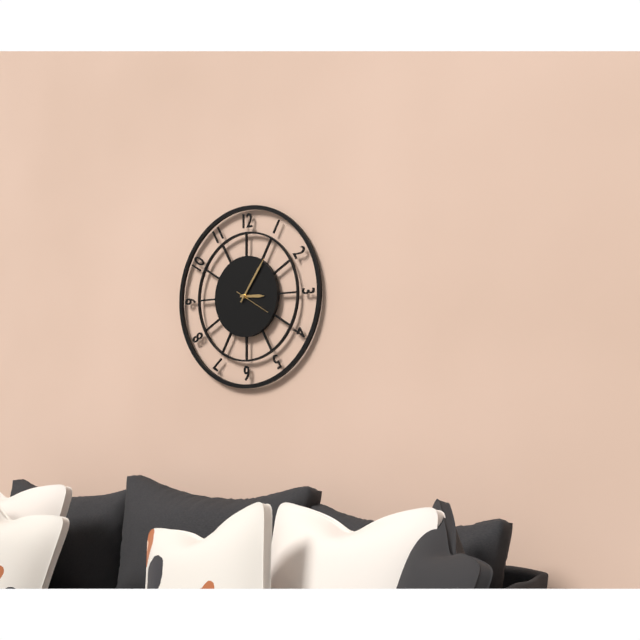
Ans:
**3:06**
